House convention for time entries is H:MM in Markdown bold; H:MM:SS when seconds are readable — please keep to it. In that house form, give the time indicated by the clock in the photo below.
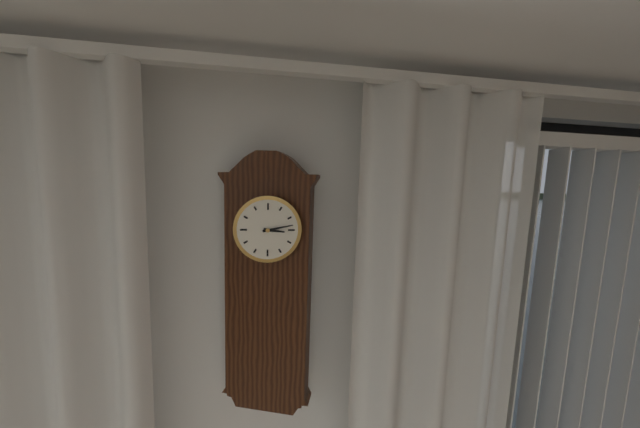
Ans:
**3:13**
